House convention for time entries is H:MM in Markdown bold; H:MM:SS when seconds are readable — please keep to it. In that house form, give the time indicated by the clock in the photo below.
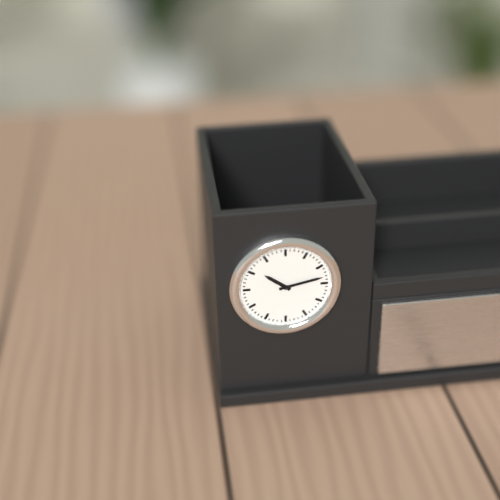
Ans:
**10:13**
